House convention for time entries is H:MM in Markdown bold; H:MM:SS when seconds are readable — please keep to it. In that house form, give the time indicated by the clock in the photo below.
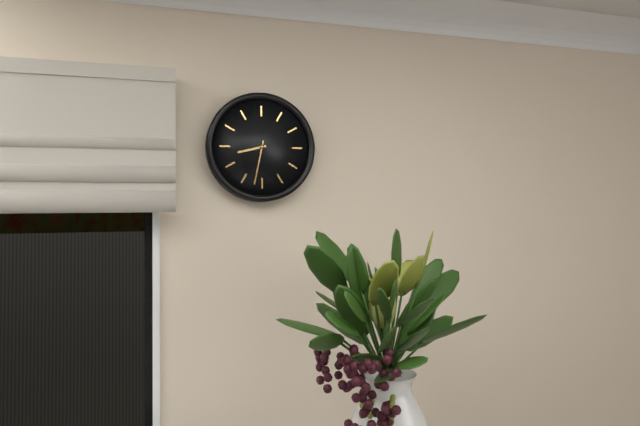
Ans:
**8:32**
